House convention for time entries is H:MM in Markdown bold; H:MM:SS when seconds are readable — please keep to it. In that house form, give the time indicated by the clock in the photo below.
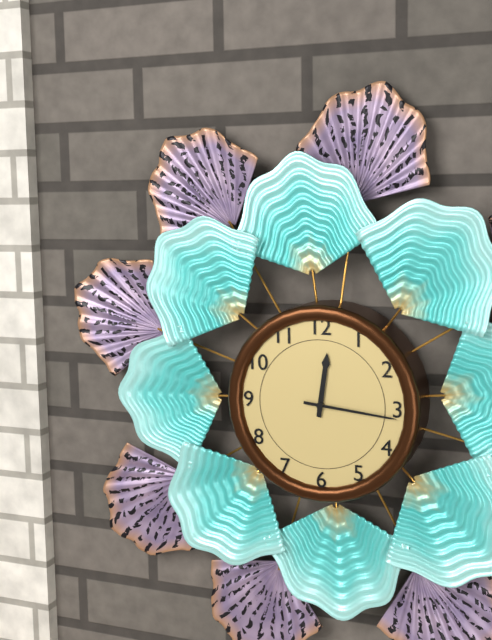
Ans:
**12:16**
